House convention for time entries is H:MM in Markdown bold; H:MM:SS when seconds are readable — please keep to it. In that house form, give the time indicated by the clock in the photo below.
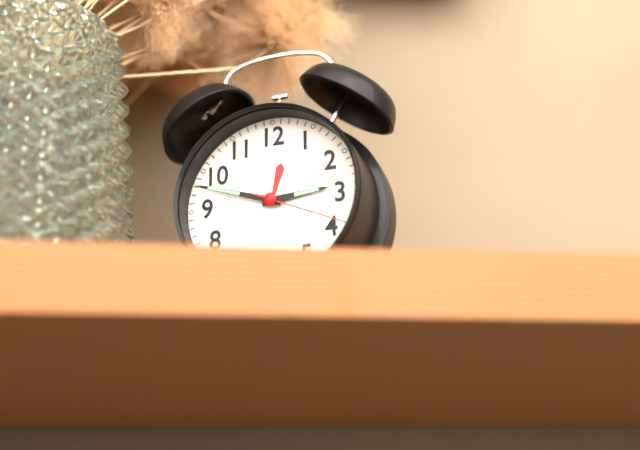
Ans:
**2:48:19**
